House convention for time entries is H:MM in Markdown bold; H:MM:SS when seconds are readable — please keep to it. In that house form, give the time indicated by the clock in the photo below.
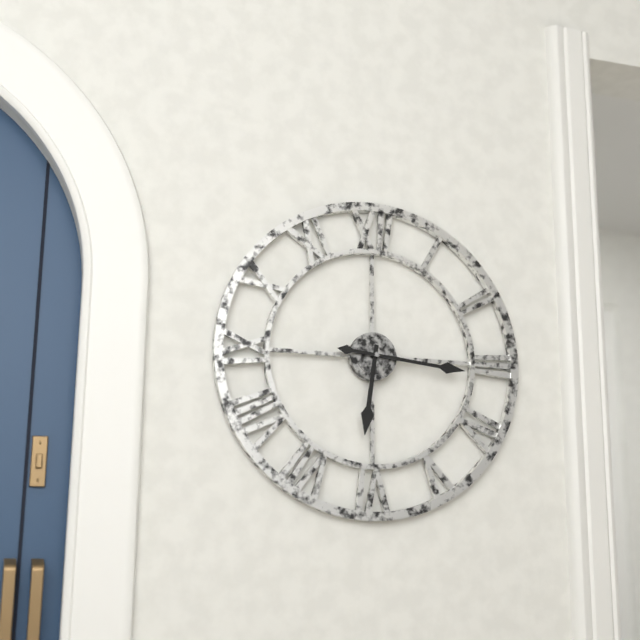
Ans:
**6:16**
